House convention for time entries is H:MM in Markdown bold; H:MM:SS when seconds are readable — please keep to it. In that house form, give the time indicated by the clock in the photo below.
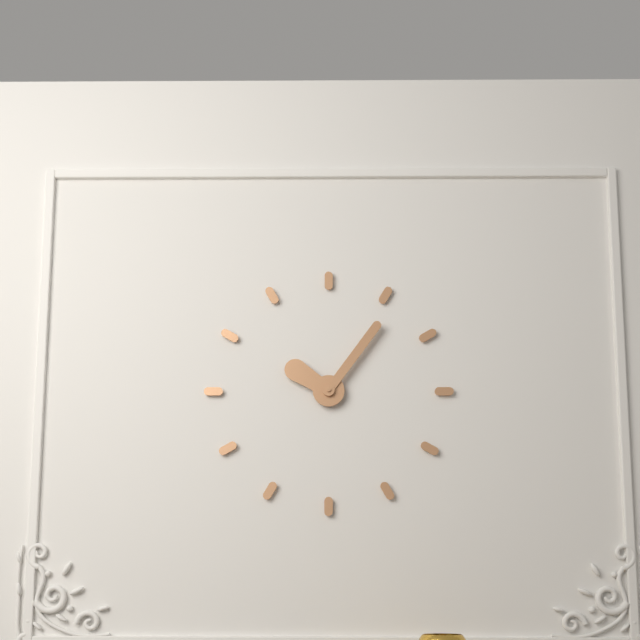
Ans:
**10:06**
